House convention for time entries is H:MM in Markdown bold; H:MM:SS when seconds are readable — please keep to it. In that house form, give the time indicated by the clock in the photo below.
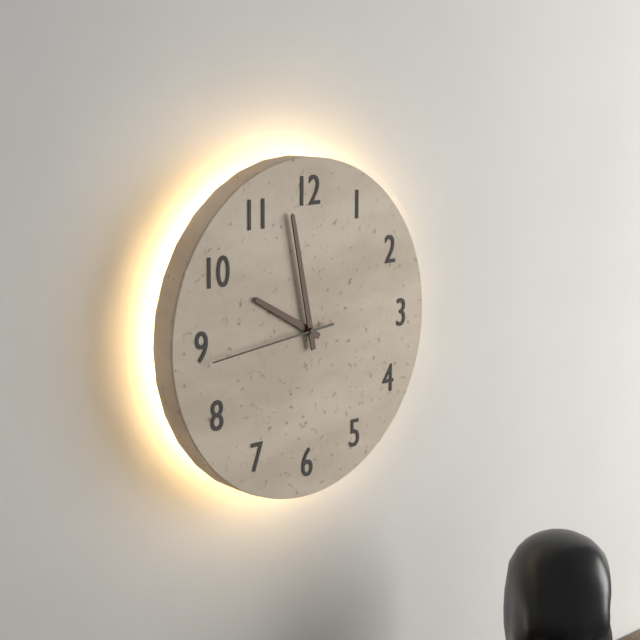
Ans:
**9:58:44**
